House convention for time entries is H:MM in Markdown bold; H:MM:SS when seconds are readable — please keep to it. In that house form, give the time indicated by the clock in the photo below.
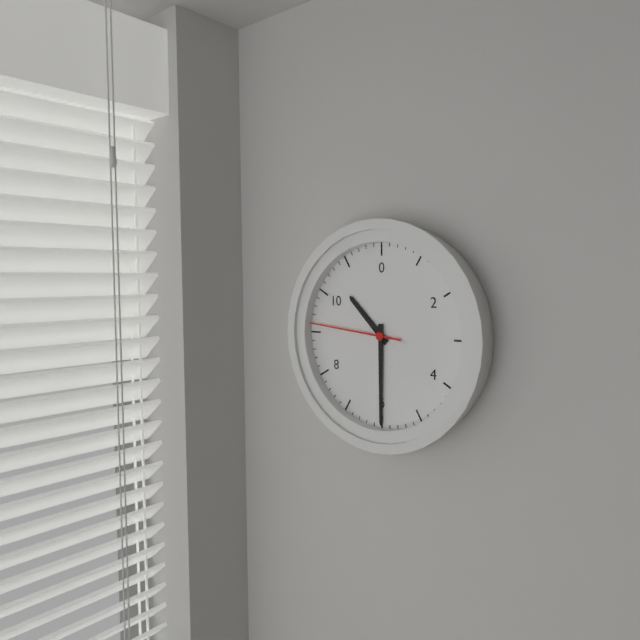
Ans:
**10:30:46**
